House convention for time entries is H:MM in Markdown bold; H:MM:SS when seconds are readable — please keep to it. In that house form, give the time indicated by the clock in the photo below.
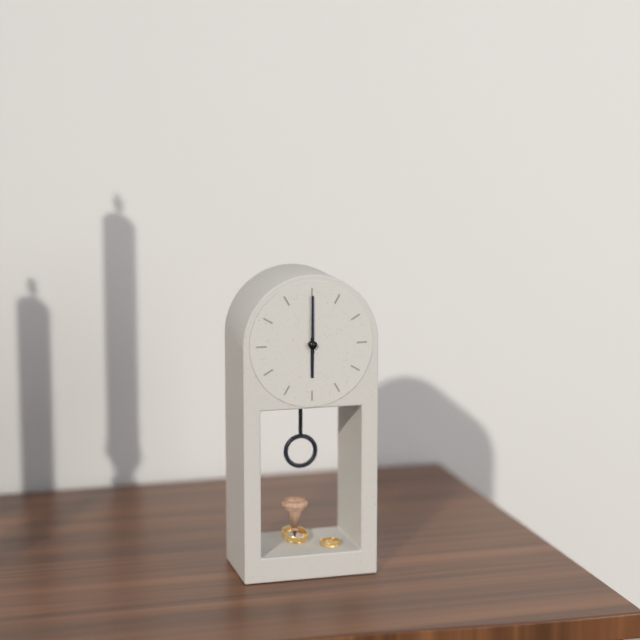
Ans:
**6:00**
